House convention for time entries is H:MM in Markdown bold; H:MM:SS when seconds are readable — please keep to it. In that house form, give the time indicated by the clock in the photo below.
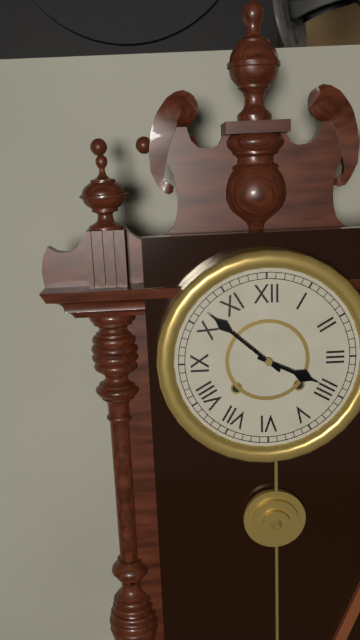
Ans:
**3:52**
